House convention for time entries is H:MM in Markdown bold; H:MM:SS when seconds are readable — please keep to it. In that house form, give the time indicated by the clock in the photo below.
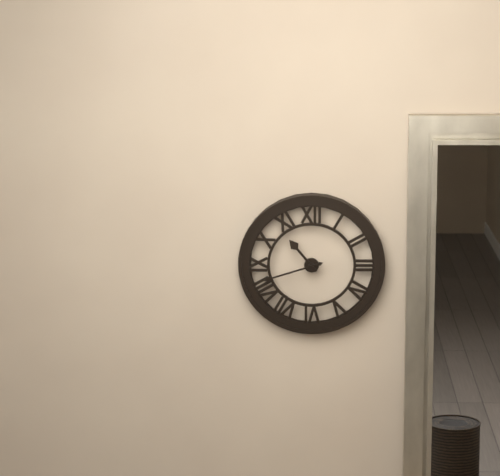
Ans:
**10:42**
